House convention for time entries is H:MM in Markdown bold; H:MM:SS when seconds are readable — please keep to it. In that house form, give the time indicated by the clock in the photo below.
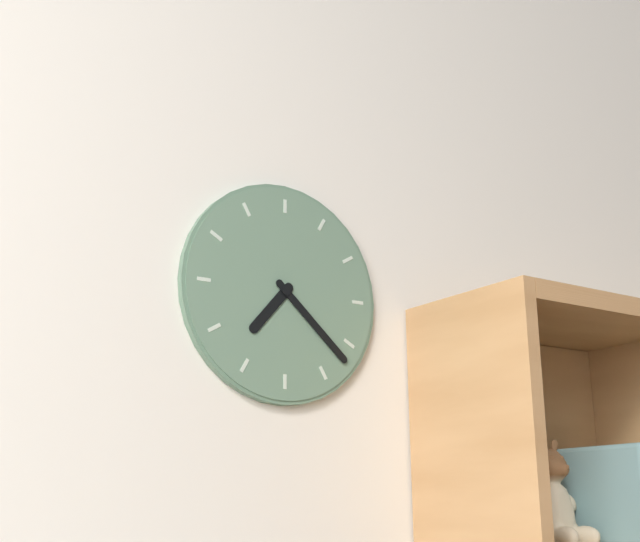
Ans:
**7:22**
